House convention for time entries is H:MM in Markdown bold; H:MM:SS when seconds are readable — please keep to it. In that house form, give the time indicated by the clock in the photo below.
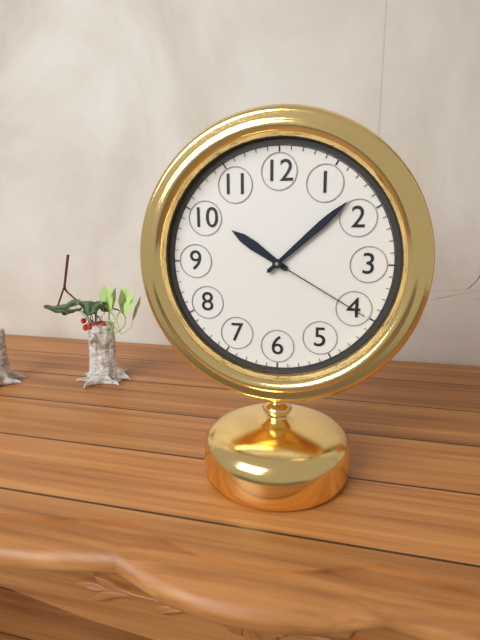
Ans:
**10:08:20**
